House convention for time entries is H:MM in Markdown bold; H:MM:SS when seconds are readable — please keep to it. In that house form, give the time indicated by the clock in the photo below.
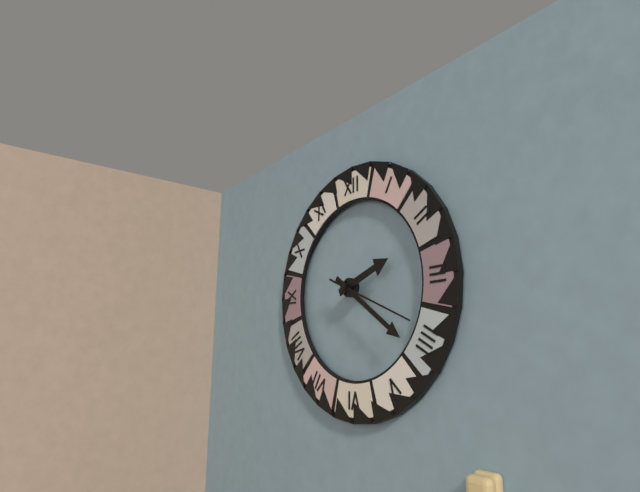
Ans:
**2:21:19**
